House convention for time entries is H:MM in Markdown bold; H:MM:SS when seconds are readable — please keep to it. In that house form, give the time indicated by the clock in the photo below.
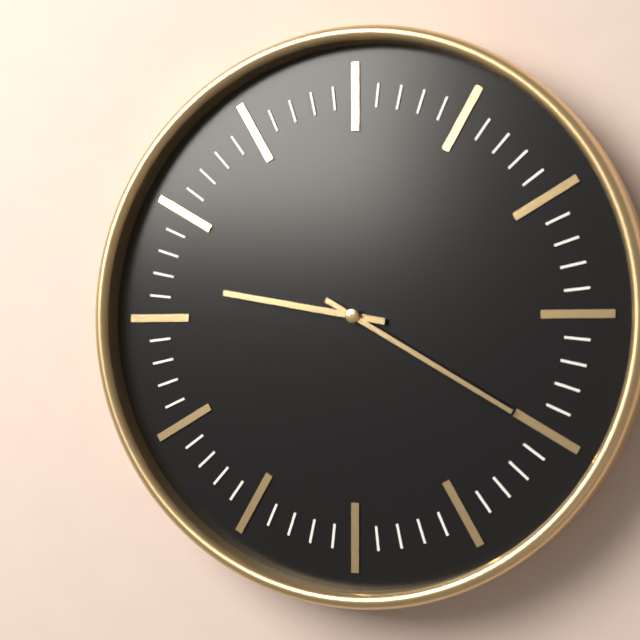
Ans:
**9:20**
